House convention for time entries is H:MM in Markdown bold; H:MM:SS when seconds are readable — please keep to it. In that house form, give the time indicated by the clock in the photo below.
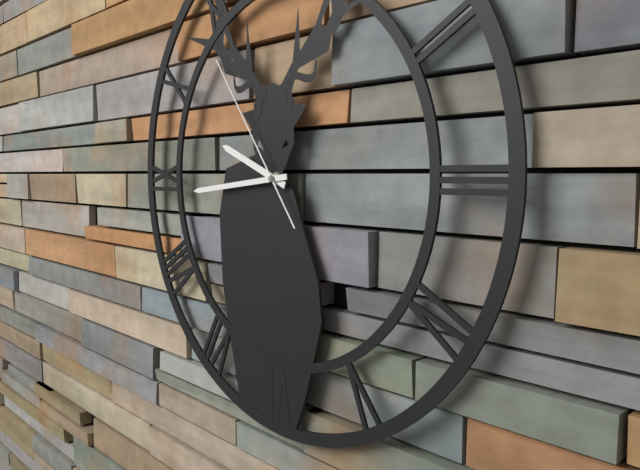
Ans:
**9:44:54**
